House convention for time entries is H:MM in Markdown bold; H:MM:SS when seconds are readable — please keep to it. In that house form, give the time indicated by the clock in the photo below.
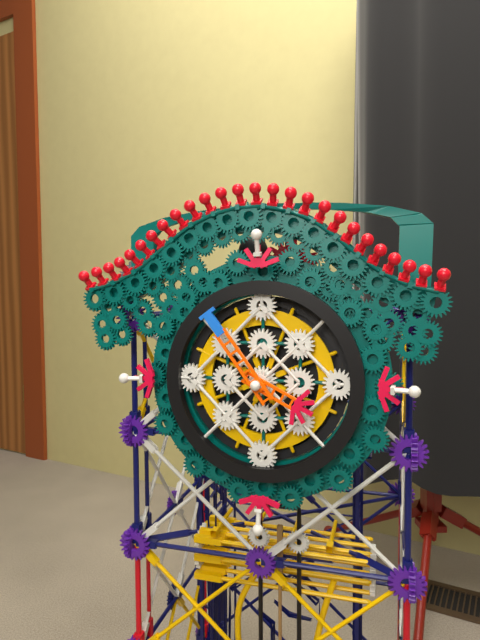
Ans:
**3:54**
